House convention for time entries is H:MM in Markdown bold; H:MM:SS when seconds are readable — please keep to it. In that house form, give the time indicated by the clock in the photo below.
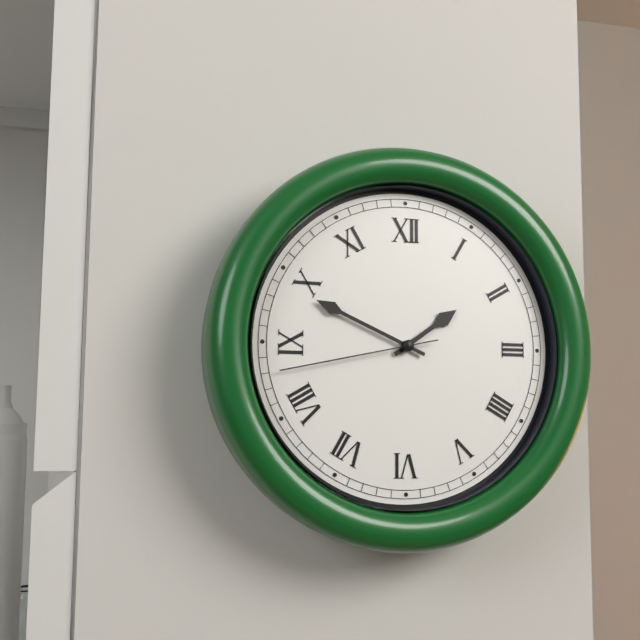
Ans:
**1:49:43**
